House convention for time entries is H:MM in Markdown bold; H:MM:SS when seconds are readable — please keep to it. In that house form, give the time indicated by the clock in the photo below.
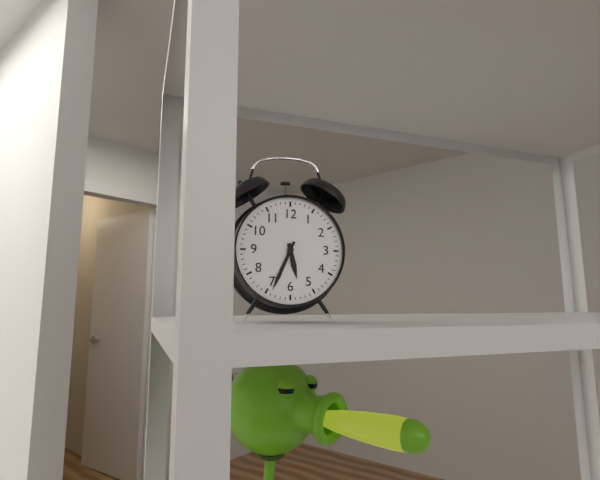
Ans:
**5:34**
